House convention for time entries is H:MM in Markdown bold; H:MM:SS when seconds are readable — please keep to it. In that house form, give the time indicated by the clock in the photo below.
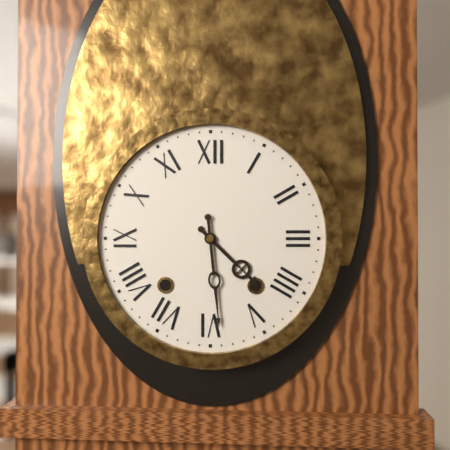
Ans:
**4:29**
